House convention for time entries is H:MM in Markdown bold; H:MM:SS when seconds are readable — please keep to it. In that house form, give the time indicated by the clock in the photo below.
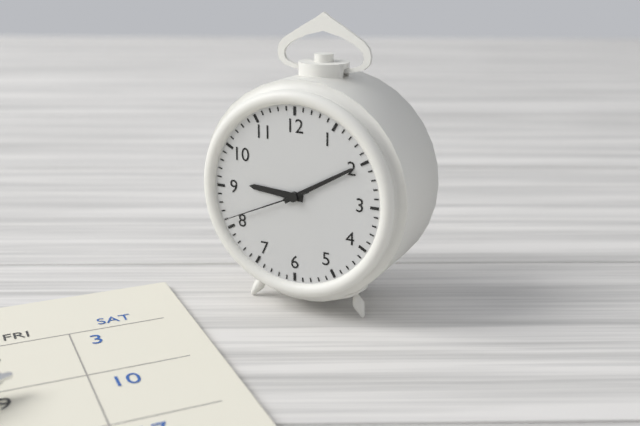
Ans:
**9:10:41**
